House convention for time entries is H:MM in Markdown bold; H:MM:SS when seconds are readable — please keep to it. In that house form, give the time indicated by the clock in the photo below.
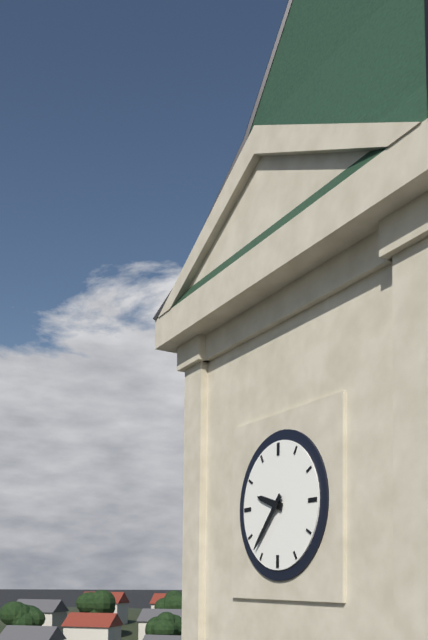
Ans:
**9:37**
